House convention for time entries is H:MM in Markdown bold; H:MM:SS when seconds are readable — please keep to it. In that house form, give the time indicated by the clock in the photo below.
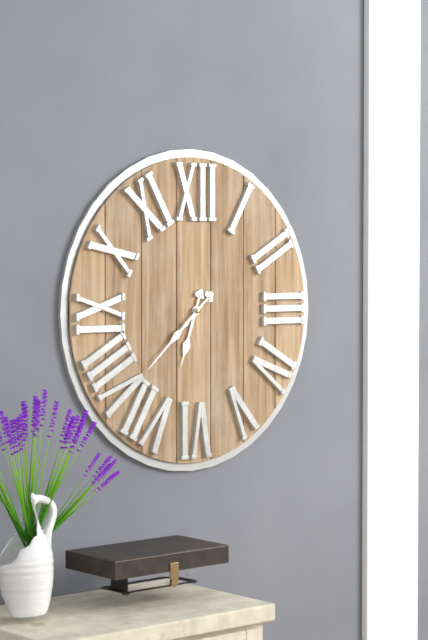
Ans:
**6:38**
